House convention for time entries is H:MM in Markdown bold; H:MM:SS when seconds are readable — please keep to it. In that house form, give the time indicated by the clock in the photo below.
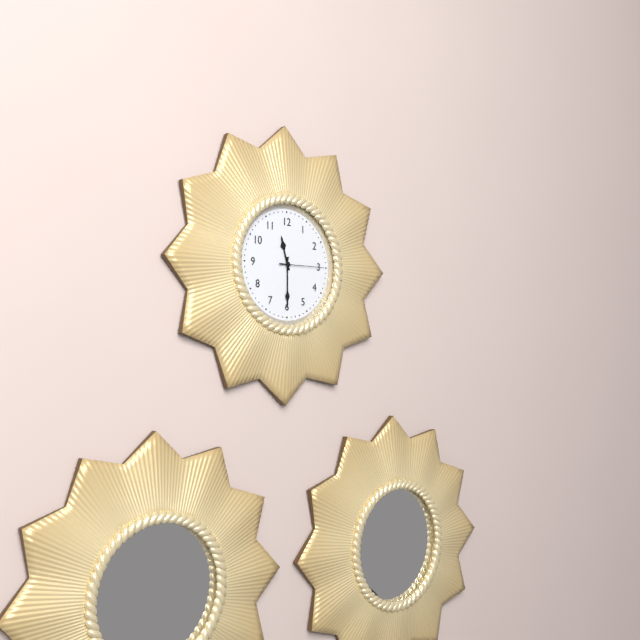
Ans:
**11:30**
